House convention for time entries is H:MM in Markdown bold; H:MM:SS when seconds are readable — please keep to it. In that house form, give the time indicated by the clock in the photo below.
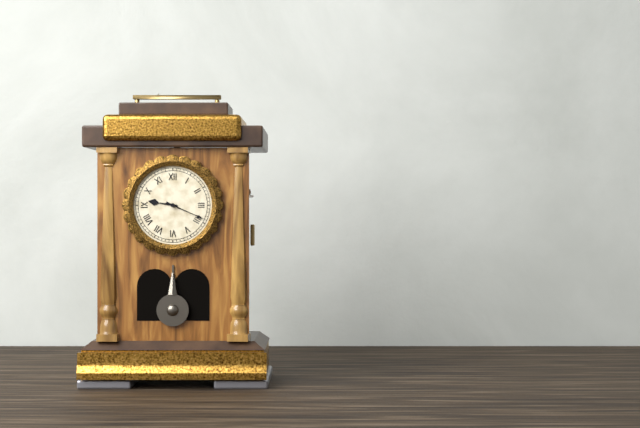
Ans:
**9:19**
